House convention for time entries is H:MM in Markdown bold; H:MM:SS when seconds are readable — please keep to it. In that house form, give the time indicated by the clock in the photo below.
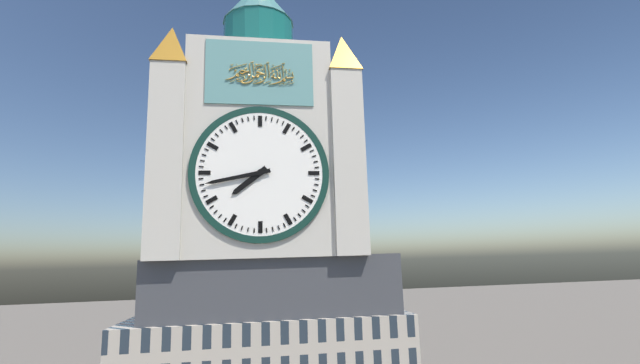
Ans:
**7:43**
